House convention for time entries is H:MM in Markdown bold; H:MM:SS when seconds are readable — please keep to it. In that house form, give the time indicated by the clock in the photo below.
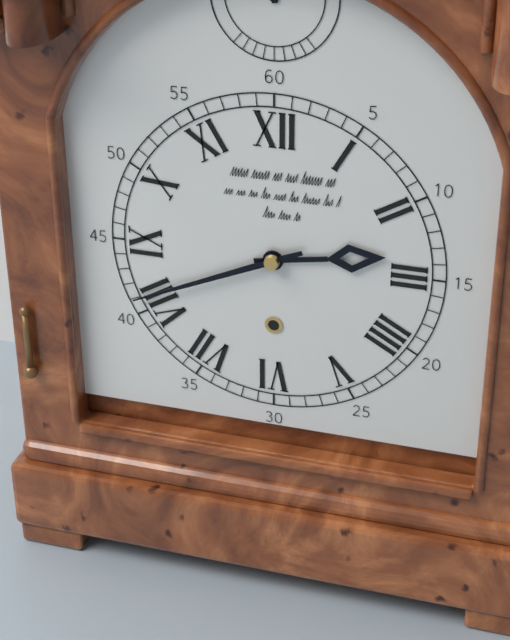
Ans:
**2:41**
